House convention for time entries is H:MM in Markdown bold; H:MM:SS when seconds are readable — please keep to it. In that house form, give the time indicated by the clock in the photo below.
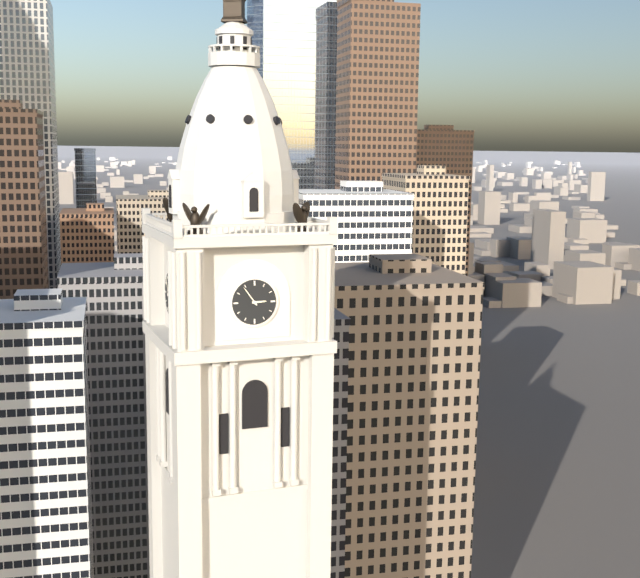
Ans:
**2:54**
